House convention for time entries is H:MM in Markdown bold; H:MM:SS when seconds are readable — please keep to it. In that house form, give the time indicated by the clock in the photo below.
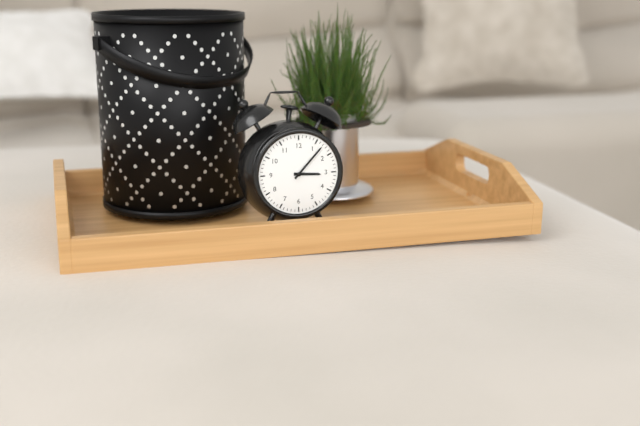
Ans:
**3:07**
